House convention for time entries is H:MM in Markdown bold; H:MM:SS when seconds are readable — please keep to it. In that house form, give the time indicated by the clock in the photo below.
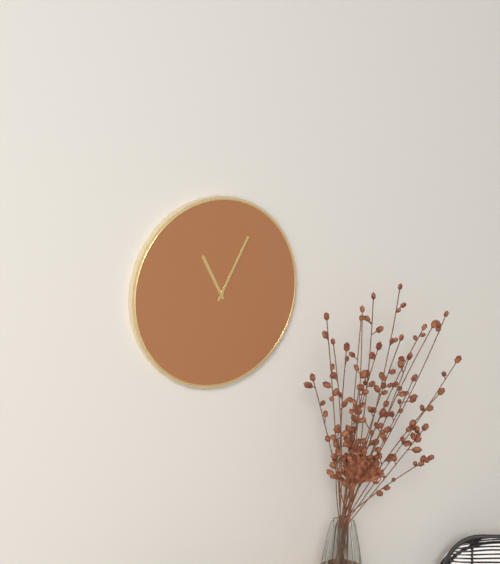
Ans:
**11:05**
